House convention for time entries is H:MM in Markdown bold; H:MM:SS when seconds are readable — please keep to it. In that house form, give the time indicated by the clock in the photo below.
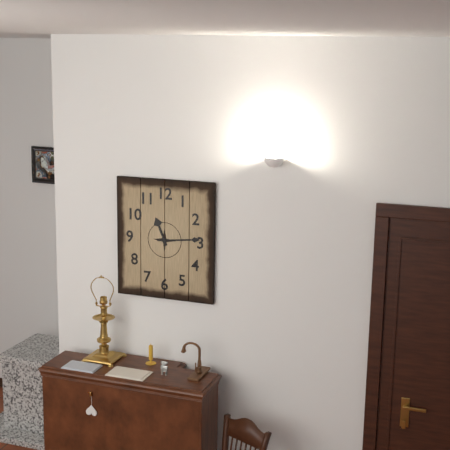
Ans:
**11:14**
